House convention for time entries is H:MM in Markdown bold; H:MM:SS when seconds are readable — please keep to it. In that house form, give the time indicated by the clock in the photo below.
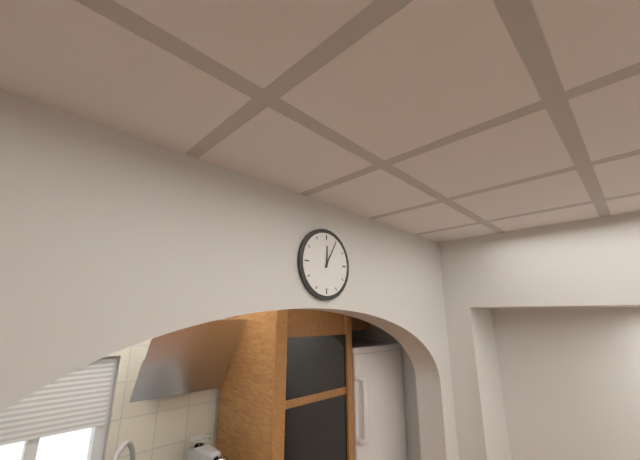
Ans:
**12:05**
